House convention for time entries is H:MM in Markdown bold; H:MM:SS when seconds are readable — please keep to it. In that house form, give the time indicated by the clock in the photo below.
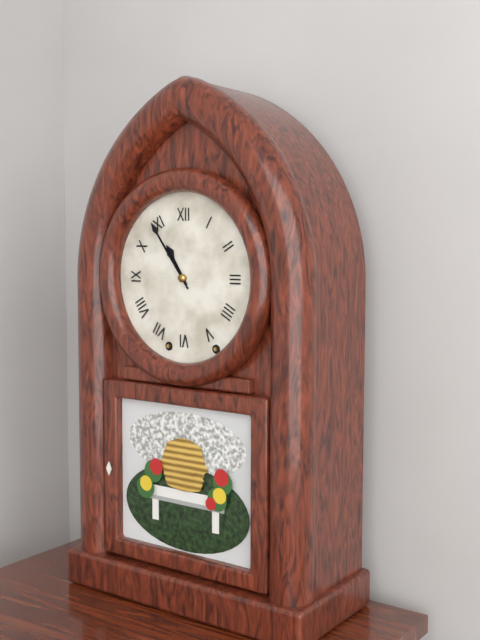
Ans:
**10:54**
